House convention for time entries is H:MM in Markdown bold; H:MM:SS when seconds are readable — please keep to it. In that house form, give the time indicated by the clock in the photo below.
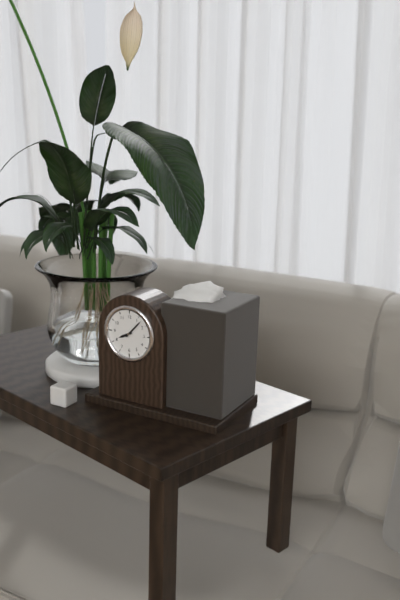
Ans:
**8:07**
